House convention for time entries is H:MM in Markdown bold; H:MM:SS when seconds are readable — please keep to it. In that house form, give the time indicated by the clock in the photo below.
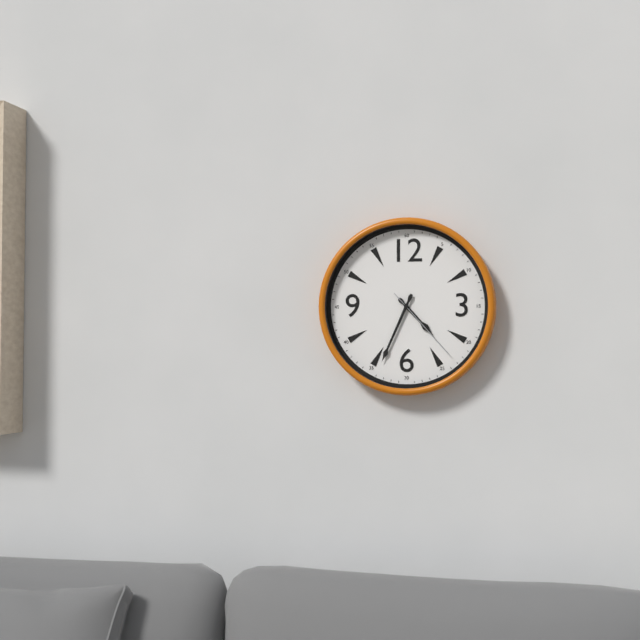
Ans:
**4:34:23**
